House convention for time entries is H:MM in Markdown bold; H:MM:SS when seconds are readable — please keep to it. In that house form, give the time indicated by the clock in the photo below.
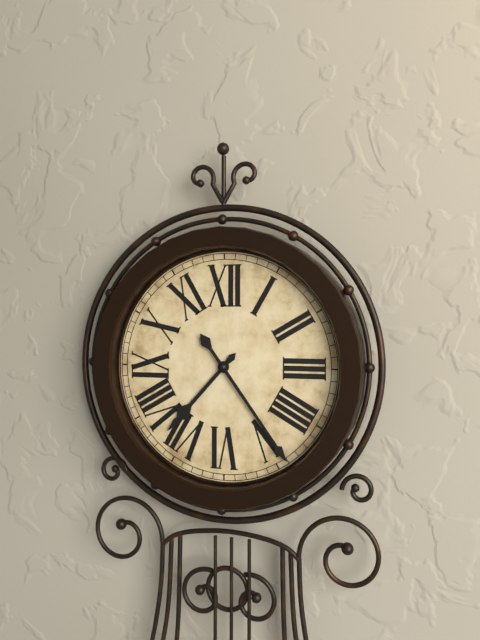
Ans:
**7:24**
